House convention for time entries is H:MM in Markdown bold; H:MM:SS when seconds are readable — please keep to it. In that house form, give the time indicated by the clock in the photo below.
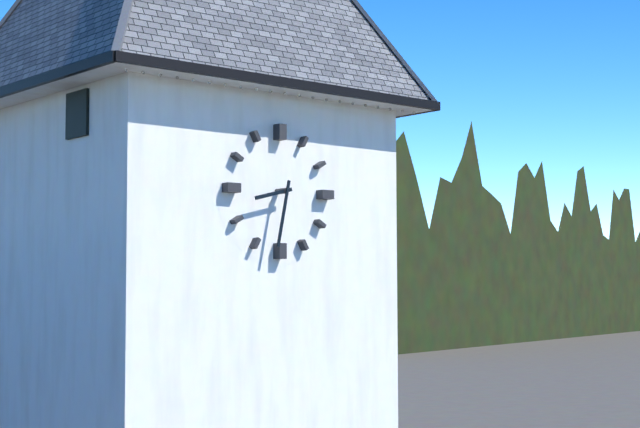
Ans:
**8:32**
